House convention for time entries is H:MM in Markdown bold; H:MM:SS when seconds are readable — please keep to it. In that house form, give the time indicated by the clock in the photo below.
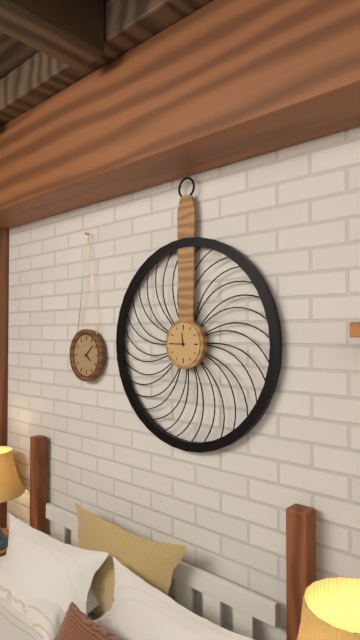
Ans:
**11:45**
